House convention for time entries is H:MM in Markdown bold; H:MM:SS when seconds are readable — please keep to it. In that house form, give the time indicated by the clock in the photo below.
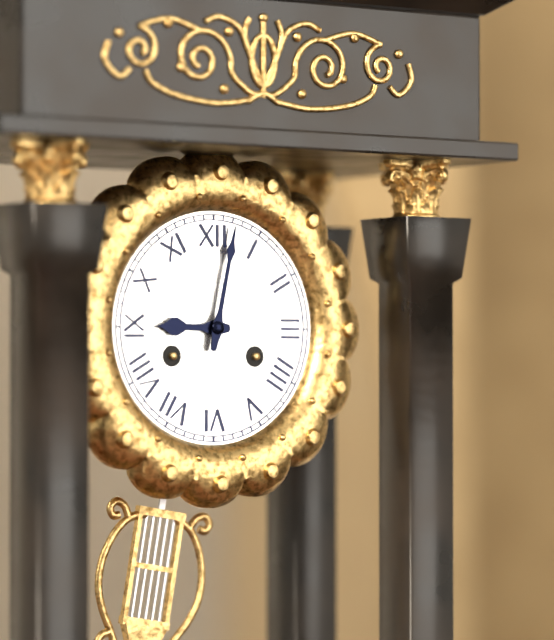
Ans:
**9:02**
